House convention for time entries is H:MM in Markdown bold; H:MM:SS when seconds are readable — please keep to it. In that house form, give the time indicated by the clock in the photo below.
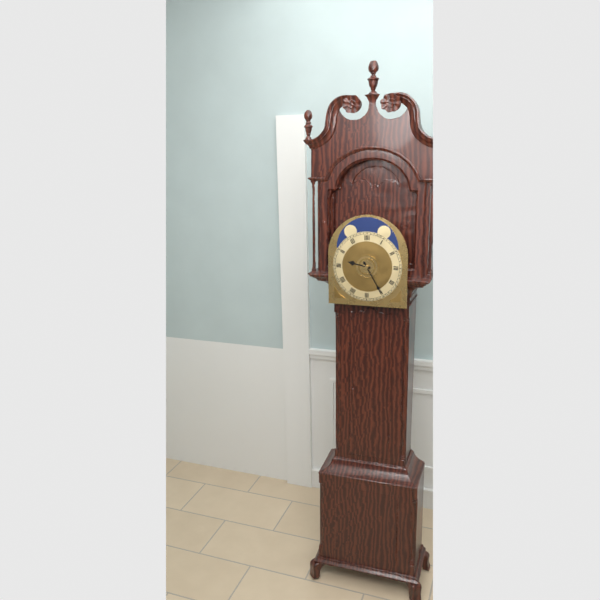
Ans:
**9:25**
